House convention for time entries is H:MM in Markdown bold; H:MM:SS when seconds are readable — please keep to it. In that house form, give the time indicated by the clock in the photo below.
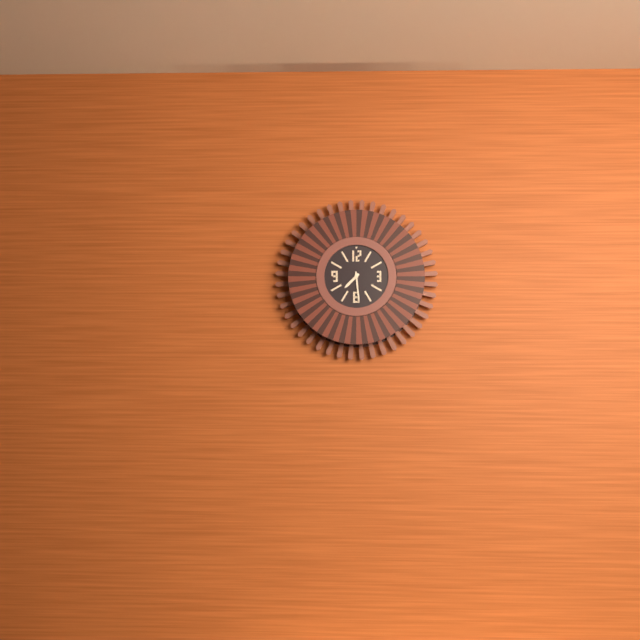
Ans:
**7:29**
